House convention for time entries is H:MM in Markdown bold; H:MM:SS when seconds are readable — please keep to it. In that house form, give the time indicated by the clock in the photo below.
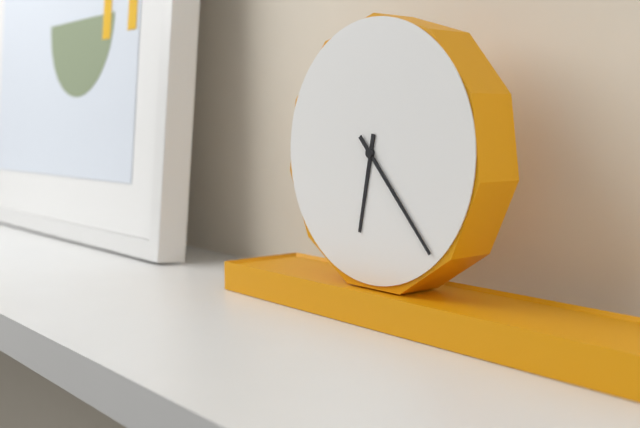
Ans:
**6:23**
